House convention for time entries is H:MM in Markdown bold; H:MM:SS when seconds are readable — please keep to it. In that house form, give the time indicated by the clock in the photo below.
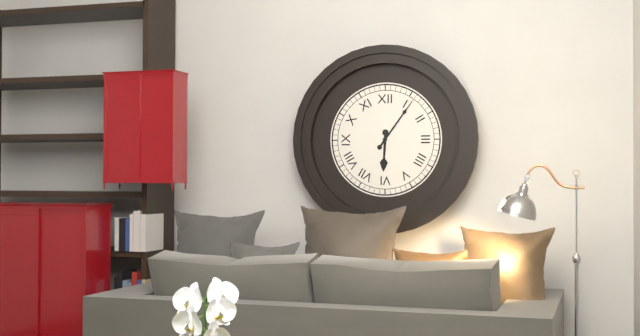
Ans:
**6:06**
